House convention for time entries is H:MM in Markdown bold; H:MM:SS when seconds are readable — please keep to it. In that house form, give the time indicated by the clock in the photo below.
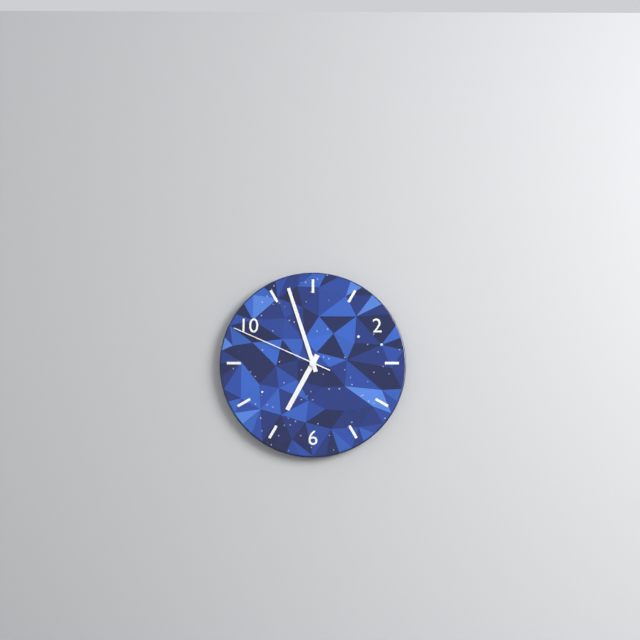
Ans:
**6:57:49**
